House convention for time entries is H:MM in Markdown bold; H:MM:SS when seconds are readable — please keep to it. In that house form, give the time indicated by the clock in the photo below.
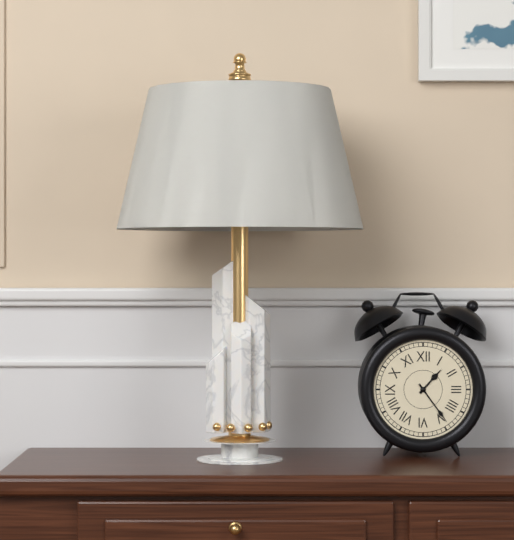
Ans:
**1:24**
